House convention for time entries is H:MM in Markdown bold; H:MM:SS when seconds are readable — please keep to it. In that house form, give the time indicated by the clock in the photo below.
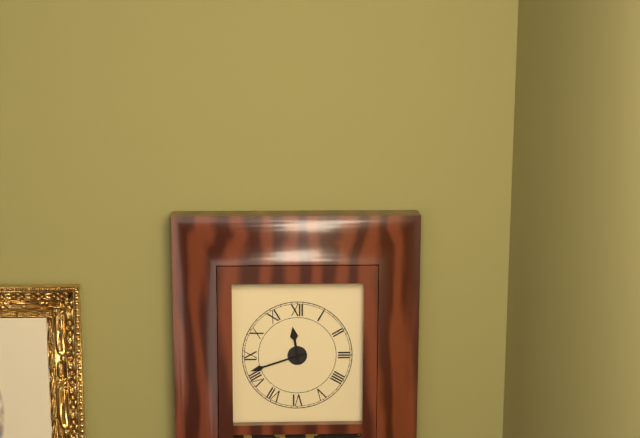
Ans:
**11:42**
